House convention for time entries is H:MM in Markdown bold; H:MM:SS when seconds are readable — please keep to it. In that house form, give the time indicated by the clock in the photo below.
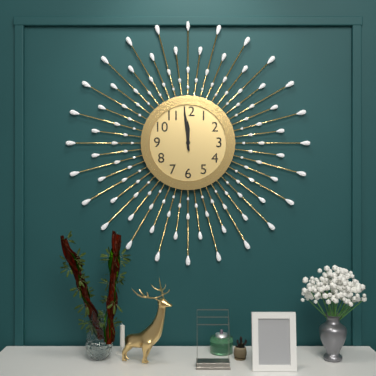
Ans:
**11:59**
